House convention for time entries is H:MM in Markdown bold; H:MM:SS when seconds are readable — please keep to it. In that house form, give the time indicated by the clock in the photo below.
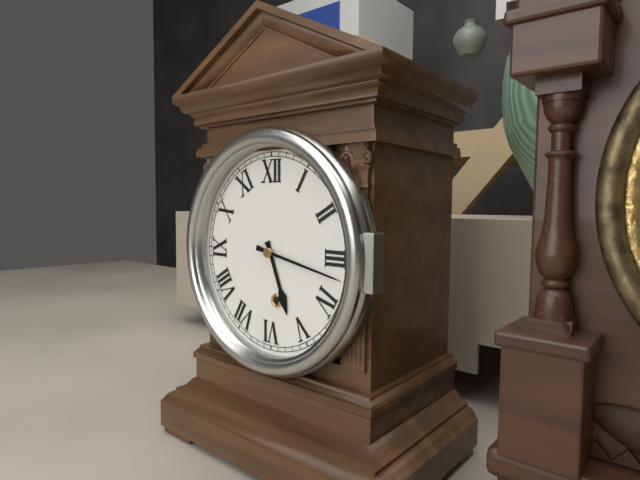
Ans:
**5:17**
